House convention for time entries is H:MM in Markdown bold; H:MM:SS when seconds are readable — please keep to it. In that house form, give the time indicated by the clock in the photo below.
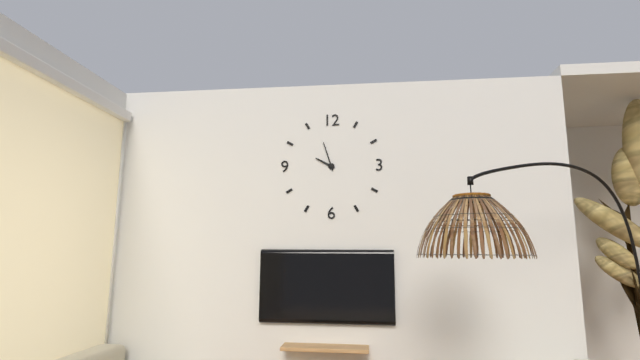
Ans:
**9:57**
